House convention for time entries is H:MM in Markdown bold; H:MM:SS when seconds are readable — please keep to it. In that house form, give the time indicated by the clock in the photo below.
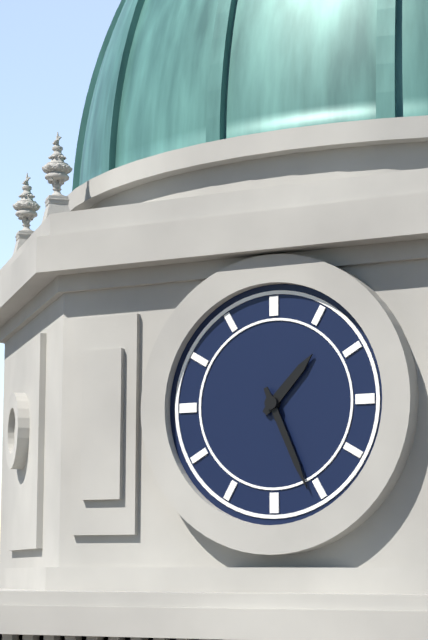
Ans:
**1:26**
